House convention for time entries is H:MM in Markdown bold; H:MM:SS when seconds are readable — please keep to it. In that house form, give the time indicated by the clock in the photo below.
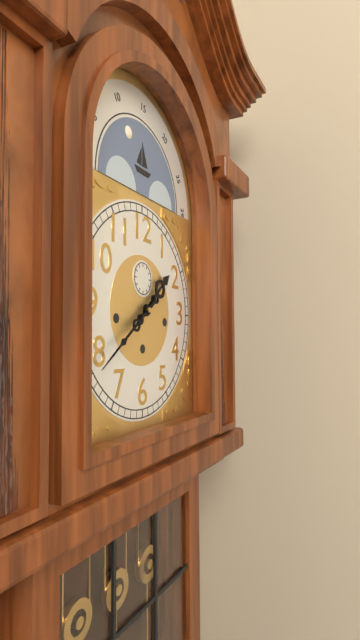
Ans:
**1:39**
